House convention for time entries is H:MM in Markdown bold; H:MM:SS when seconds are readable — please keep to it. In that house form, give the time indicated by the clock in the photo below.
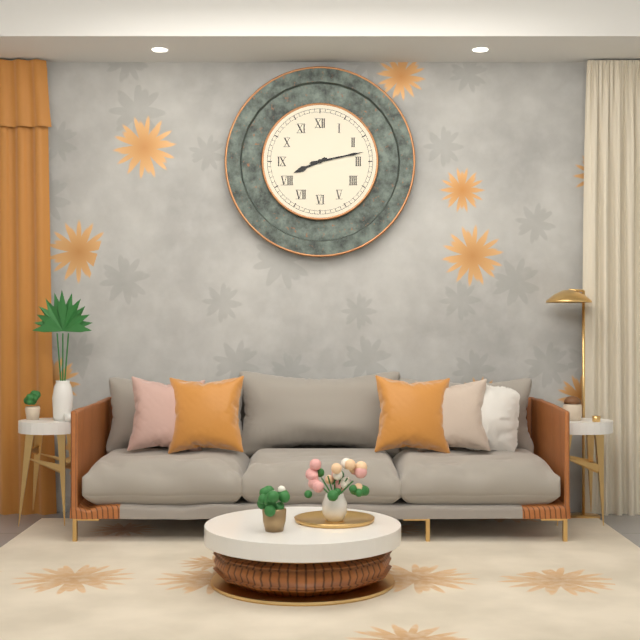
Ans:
**8:13**
